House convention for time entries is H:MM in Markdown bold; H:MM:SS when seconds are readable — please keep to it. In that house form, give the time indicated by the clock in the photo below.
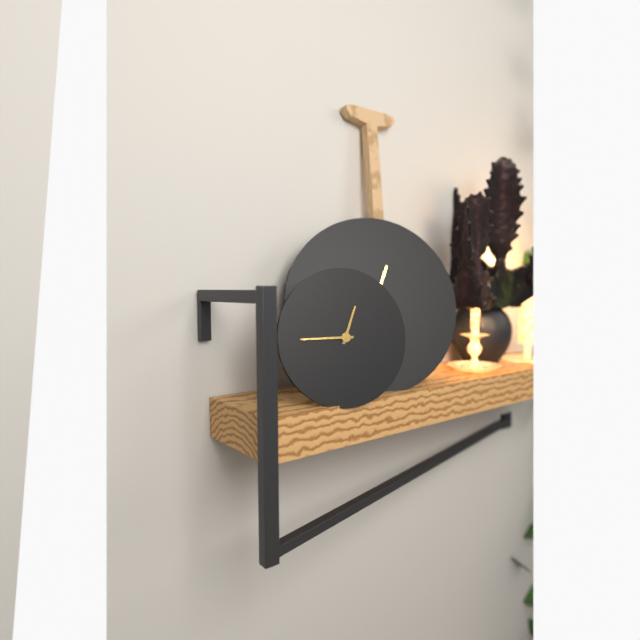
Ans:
**12:45**
